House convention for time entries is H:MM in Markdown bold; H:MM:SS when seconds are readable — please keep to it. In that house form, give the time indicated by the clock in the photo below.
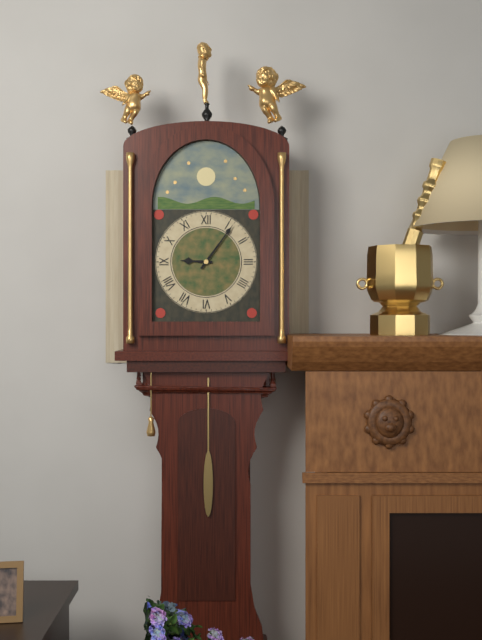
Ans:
**9:06**
